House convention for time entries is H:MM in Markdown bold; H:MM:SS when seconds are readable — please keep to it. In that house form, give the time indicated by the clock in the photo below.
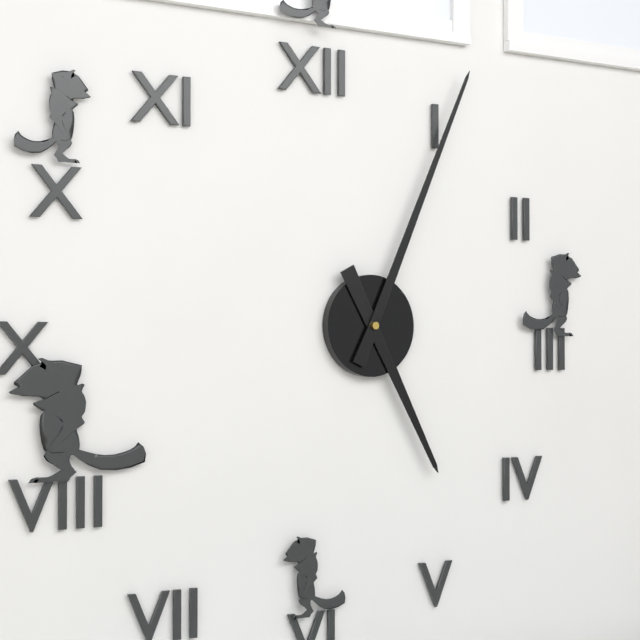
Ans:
**5:04**
